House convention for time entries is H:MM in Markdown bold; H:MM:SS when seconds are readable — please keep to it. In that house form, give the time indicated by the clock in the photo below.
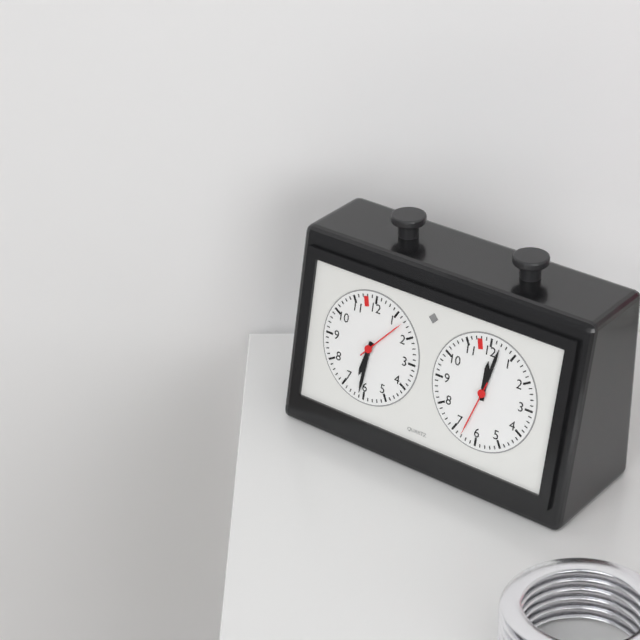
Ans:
**6:31:07**
